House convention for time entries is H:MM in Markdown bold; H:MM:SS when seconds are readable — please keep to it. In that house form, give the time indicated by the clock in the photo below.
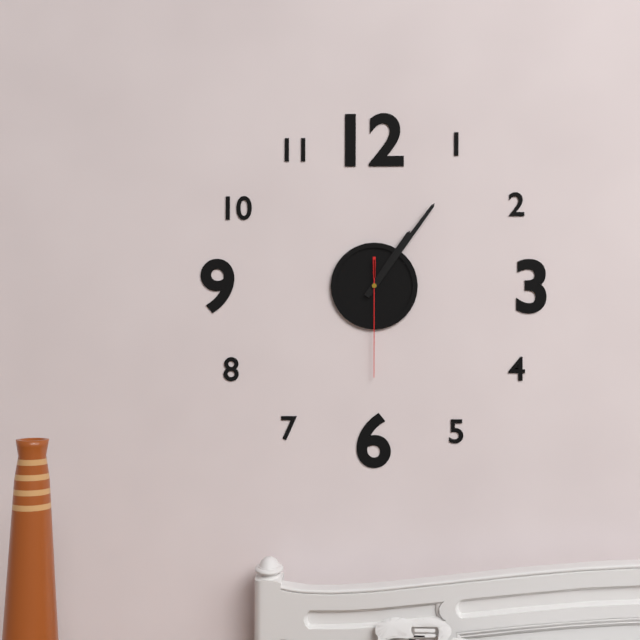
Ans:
**1:06:30**
